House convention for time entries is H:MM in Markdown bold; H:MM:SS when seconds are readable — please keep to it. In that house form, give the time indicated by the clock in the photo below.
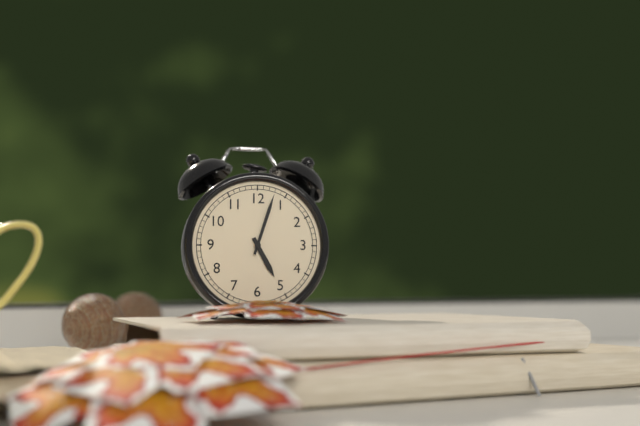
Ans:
**5:03**
